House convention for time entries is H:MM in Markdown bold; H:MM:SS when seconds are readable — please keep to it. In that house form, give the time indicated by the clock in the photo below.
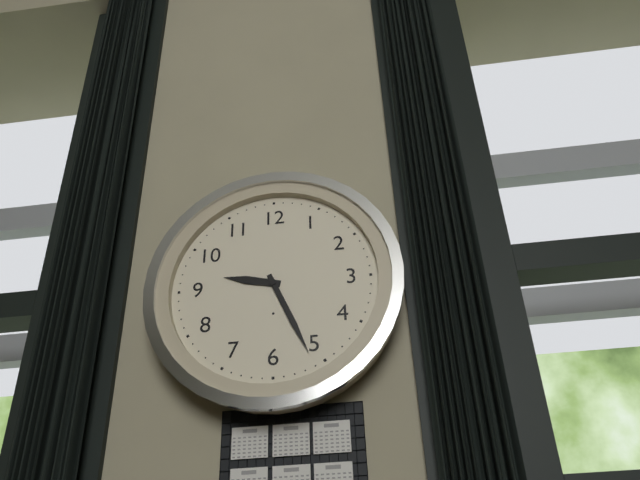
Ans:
**9:26**
